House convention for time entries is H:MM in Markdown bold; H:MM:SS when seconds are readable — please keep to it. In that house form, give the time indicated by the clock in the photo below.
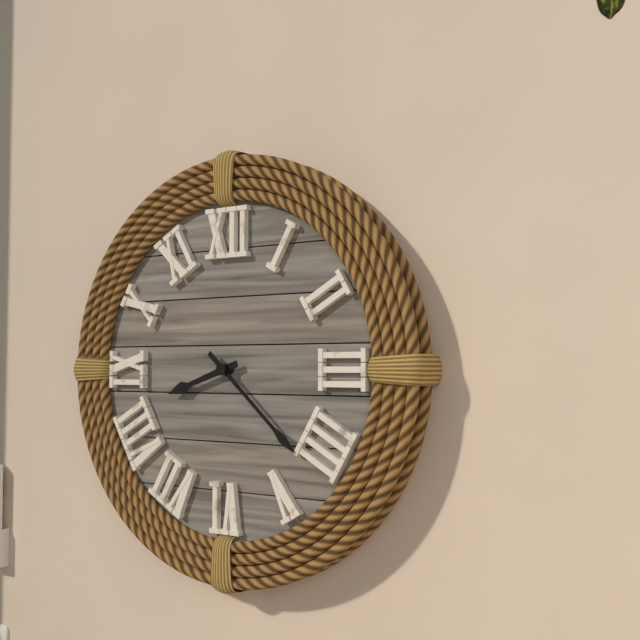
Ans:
**8:22**
